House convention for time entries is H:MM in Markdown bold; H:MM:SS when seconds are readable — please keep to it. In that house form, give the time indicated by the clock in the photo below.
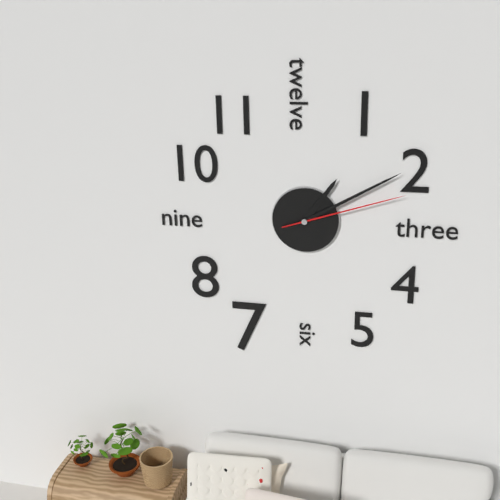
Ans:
**1:10:12**
